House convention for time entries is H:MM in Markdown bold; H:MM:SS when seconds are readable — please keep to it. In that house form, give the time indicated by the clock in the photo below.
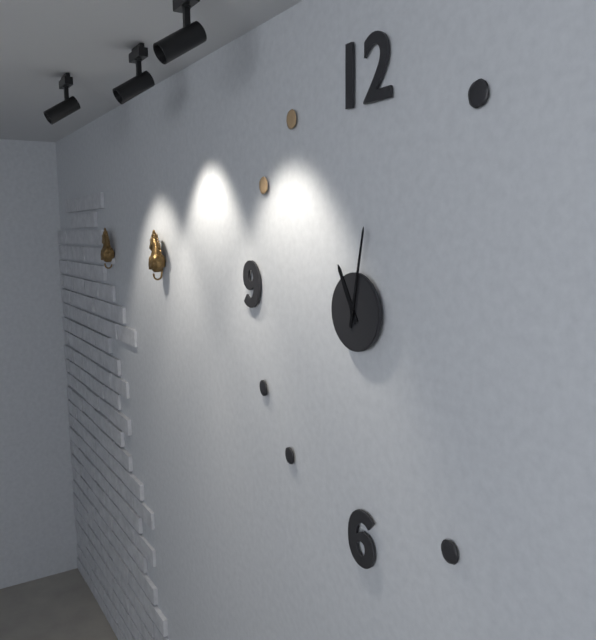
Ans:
**11:02**
